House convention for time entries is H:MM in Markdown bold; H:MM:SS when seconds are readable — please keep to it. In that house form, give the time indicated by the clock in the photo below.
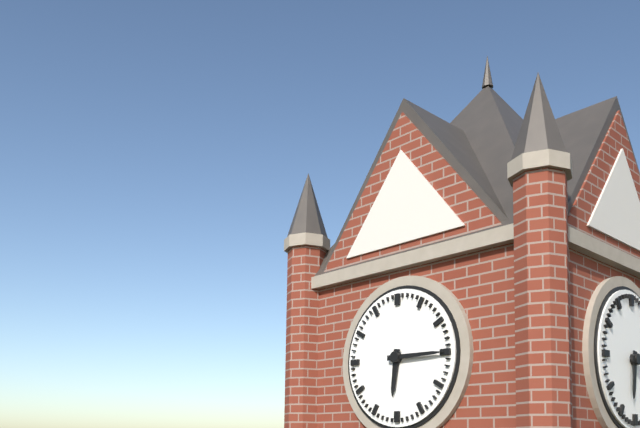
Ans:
**6:15**
